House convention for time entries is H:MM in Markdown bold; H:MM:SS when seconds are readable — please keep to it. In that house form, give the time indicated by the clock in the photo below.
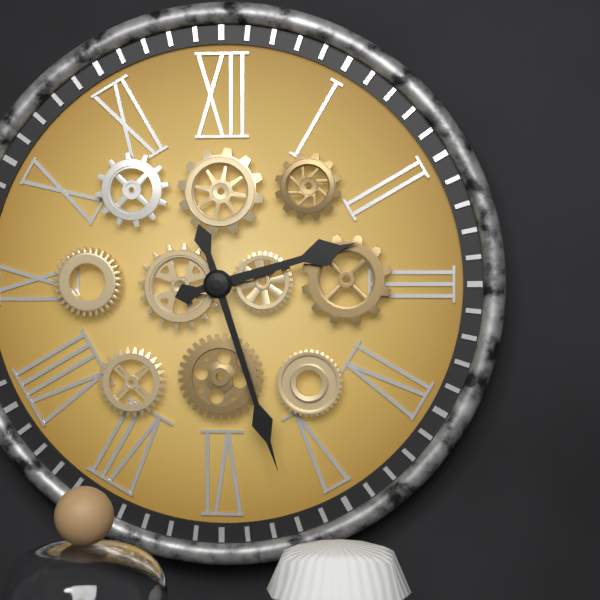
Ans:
**2:27**
